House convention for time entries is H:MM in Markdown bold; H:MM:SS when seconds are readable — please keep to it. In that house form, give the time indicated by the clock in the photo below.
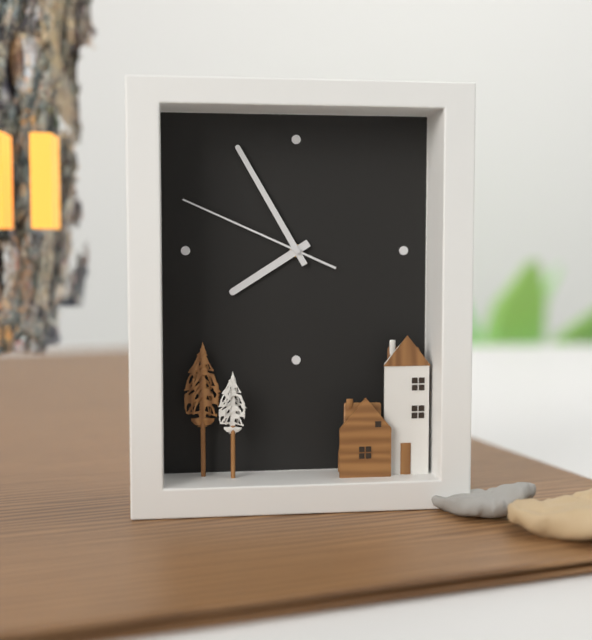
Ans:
**7:55:49**
